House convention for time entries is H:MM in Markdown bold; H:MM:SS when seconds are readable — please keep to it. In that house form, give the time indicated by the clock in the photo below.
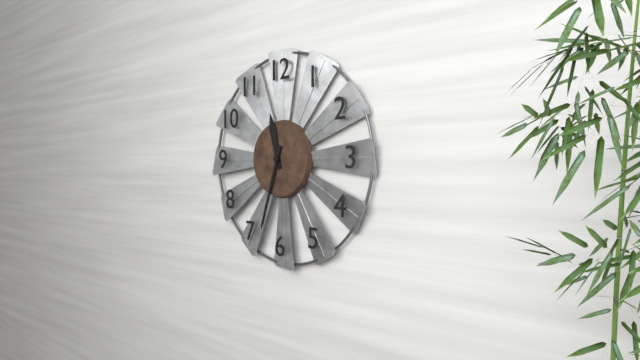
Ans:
**11:33**
